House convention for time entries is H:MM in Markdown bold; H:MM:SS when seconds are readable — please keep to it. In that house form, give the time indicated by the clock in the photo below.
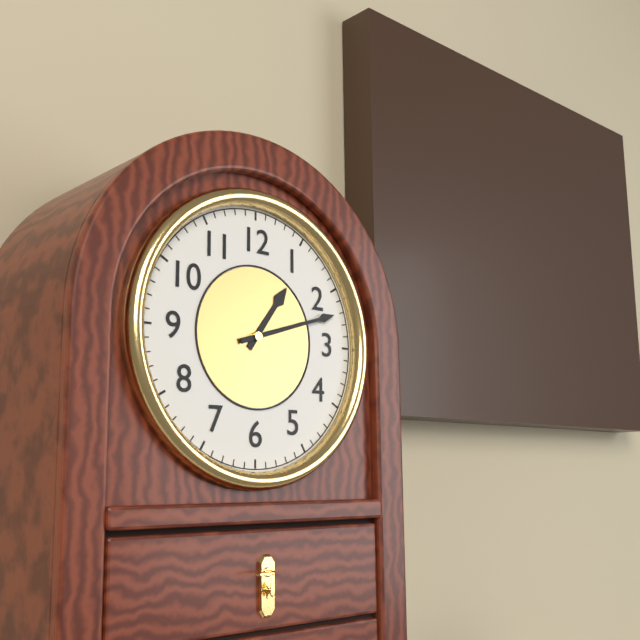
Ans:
**1:12**
